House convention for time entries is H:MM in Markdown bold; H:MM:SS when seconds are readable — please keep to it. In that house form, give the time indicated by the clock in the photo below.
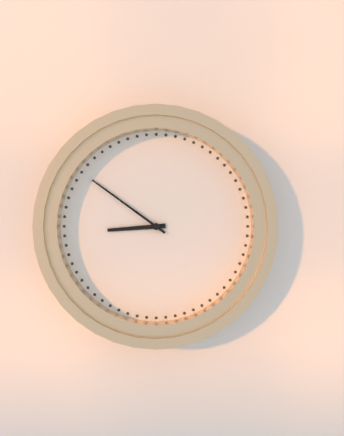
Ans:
**8:51**
